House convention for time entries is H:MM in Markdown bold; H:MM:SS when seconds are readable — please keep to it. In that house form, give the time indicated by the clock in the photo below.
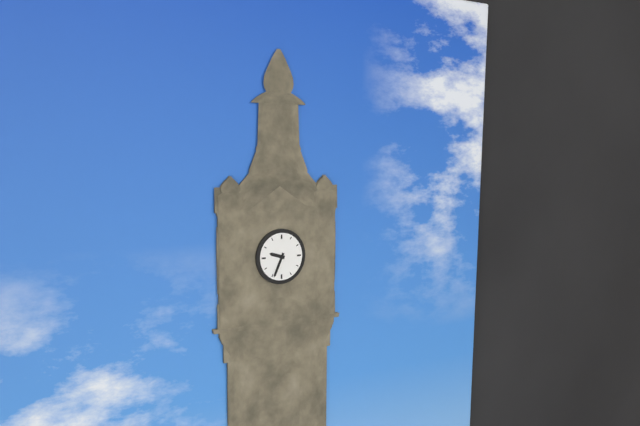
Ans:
**9:34**
